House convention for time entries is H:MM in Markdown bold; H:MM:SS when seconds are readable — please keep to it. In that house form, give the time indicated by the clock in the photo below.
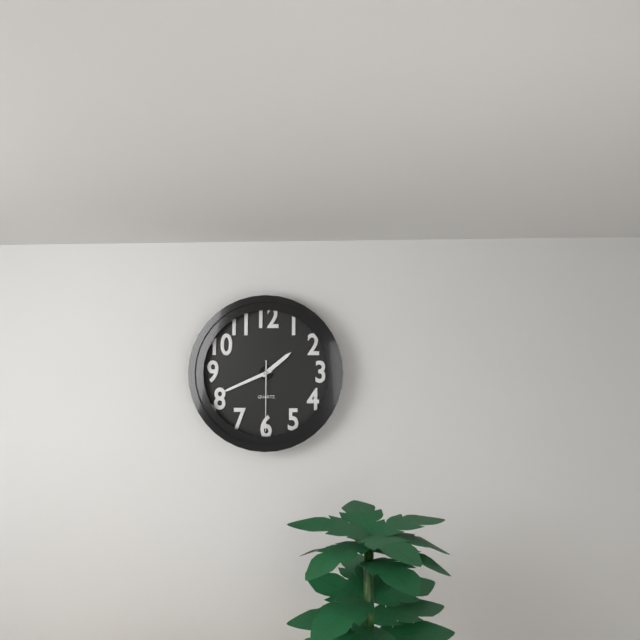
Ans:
**1:41:30**
